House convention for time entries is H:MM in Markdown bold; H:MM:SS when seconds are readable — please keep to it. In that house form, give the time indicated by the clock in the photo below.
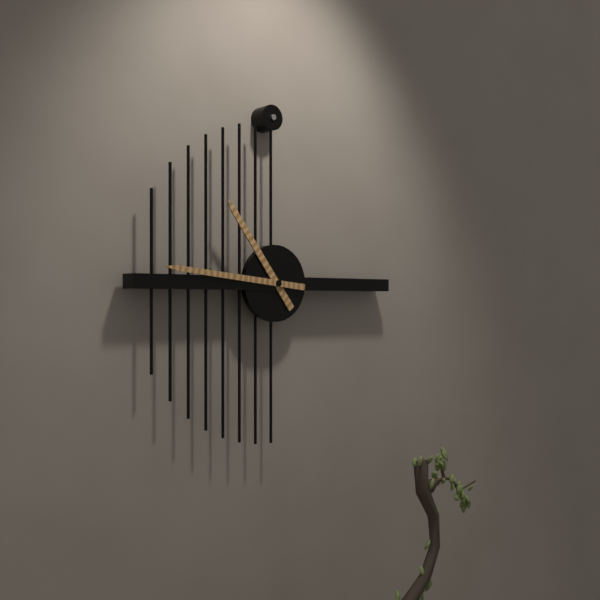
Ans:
**10:46**
